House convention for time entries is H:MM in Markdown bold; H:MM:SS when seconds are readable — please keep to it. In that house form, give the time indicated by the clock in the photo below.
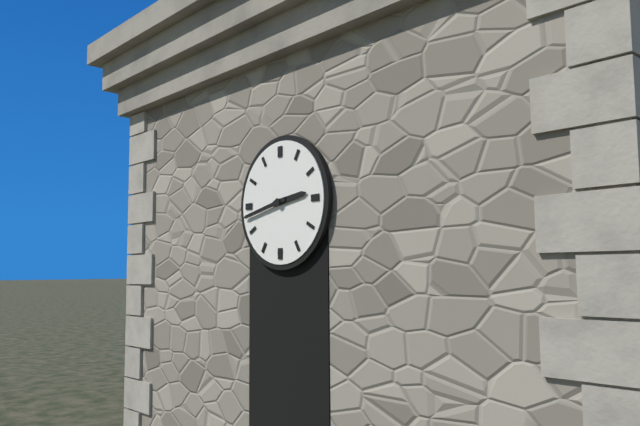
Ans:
**2:43**
